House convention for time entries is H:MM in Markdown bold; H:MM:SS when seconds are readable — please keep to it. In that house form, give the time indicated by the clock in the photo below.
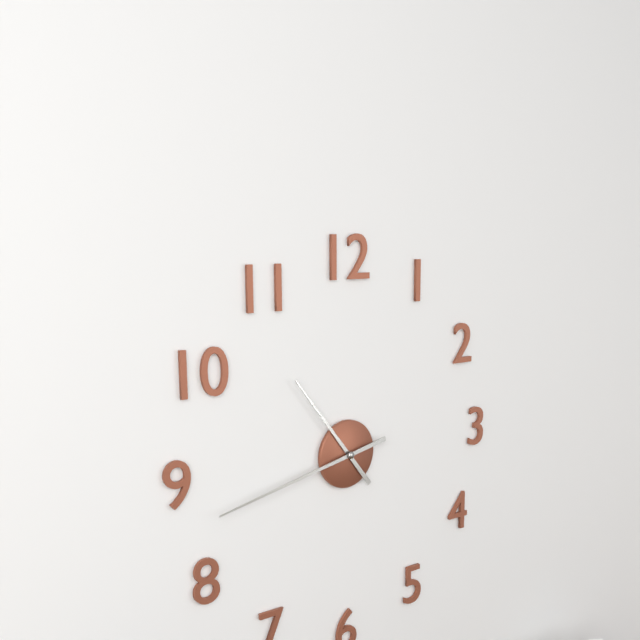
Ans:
**10:43**
